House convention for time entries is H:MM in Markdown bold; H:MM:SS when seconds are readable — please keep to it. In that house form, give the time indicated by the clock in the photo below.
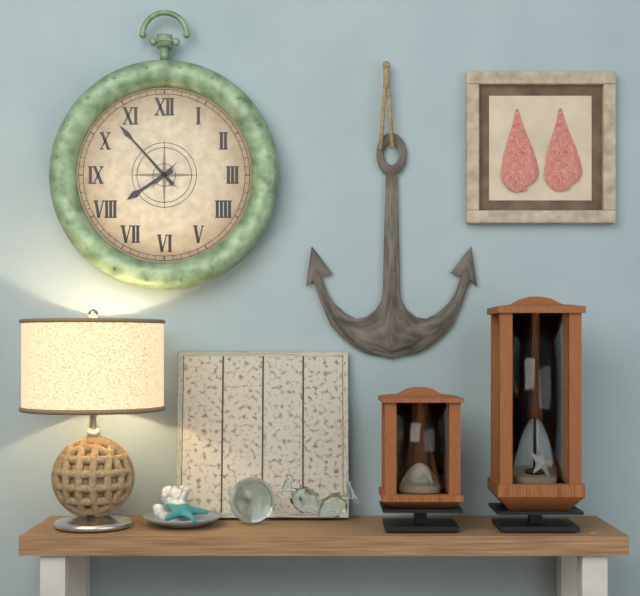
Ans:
**7:53**
